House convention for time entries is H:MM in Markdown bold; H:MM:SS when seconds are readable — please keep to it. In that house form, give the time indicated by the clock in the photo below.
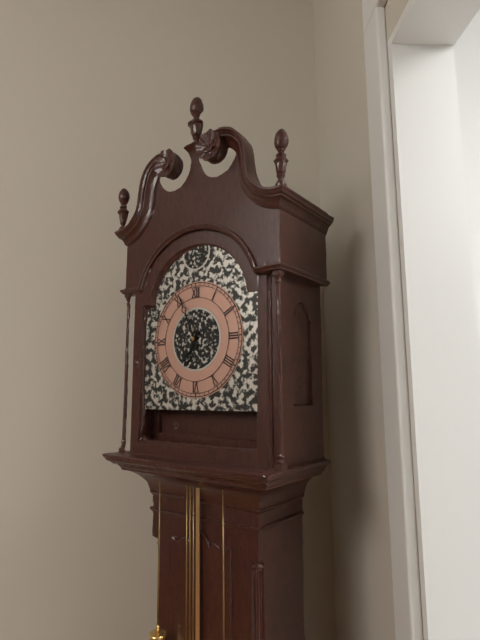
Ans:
**6:56**
